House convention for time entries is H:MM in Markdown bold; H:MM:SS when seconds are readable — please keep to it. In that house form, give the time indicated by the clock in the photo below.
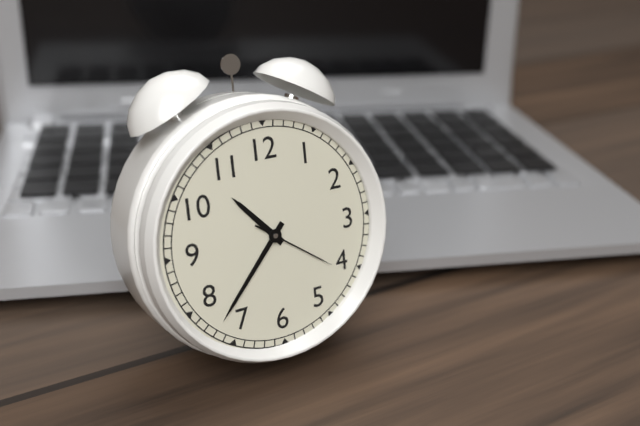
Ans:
**10:37:21**
